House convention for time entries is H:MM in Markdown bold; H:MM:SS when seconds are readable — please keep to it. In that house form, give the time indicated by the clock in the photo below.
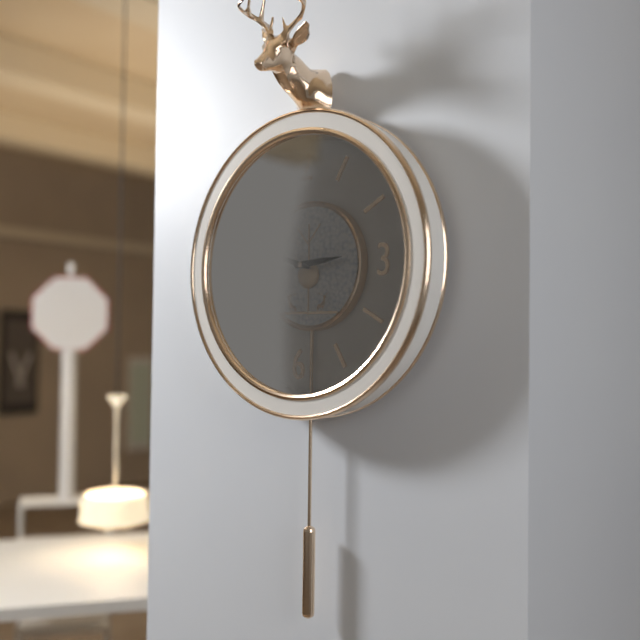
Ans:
**2:48**
